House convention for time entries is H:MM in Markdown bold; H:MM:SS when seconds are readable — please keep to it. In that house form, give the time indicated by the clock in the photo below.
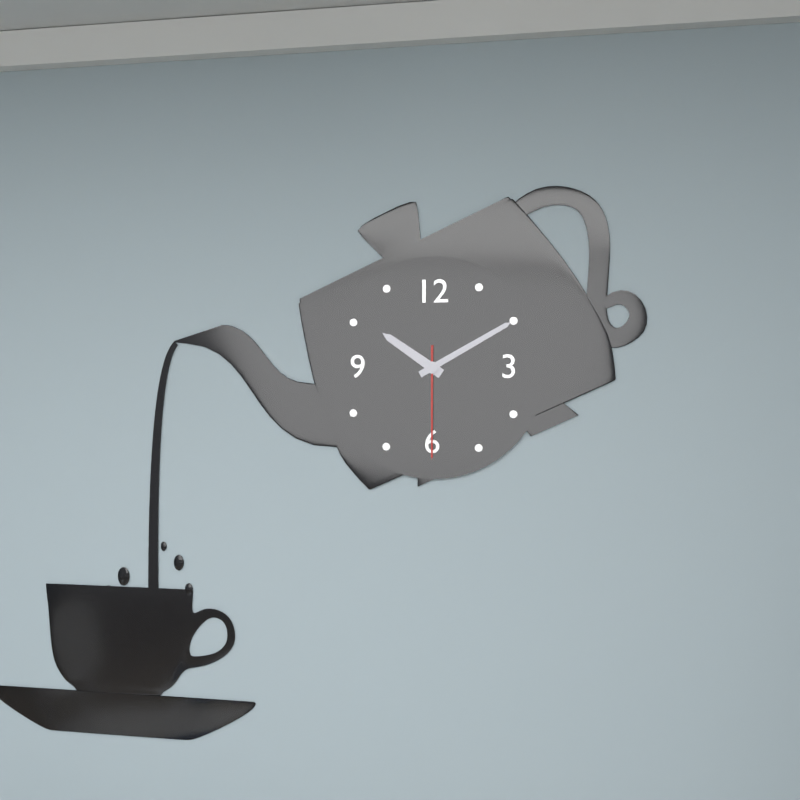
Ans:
**10:10:30**
